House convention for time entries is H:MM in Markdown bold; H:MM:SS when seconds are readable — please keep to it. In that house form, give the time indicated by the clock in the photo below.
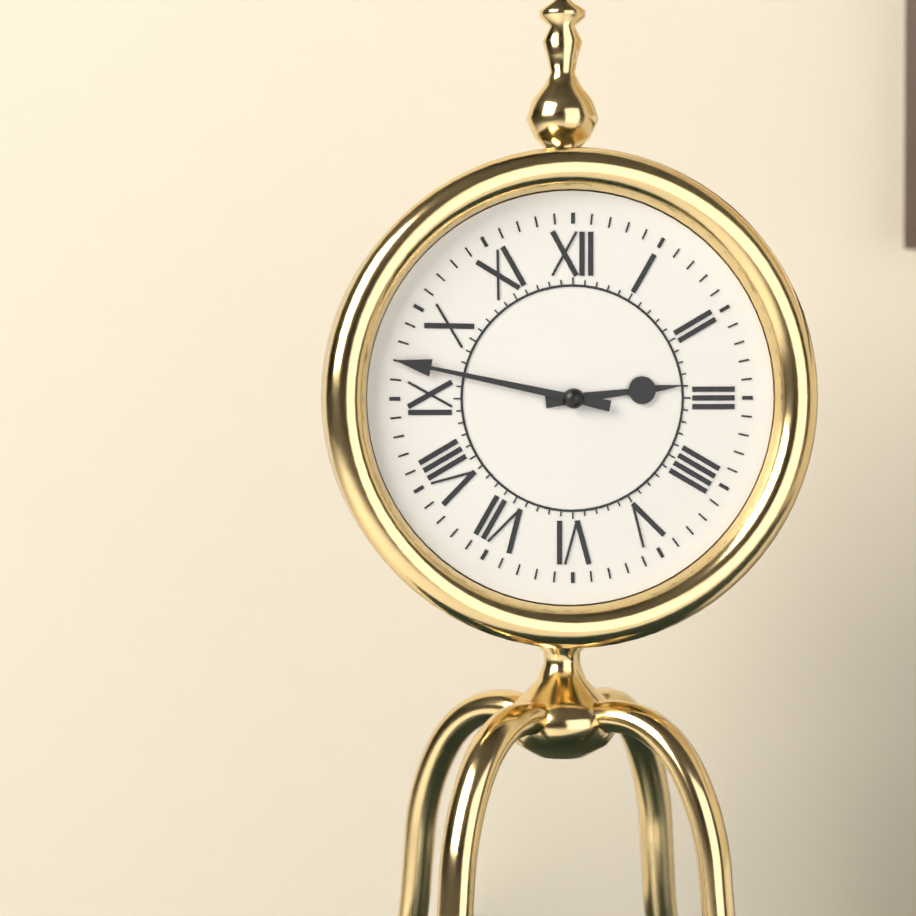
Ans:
**2:47**
